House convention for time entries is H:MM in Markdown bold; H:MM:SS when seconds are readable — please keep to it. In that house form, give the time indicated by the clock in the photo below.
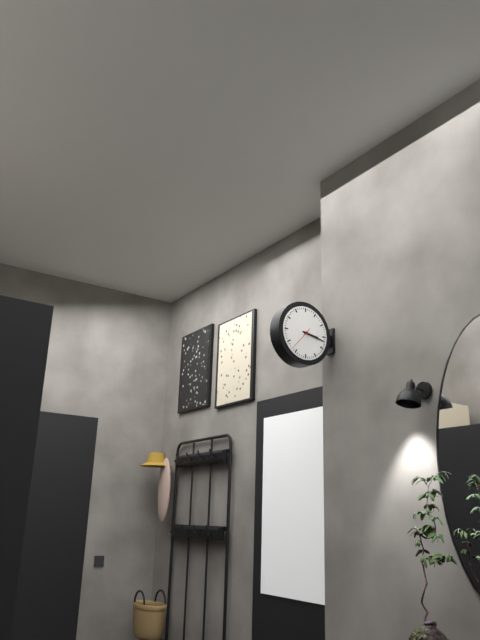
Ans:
**3:17**
